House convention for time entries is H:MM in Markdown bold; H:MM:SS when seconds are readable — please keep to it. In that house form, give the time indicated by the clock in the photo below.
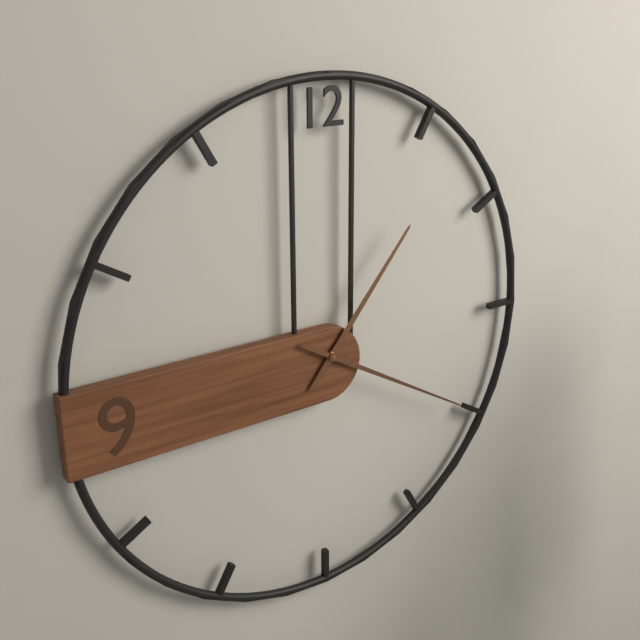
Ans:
**1:20**
